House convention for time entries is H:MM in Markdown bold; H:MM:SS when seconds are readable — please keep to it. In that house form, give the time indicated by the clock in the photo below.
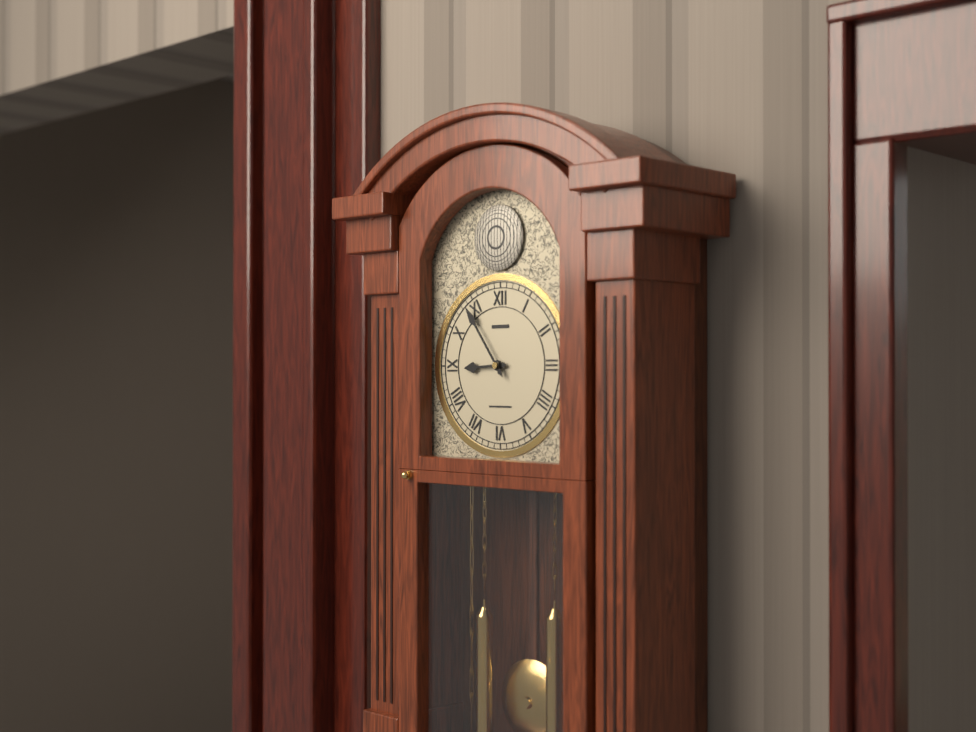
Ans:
**8:54**
